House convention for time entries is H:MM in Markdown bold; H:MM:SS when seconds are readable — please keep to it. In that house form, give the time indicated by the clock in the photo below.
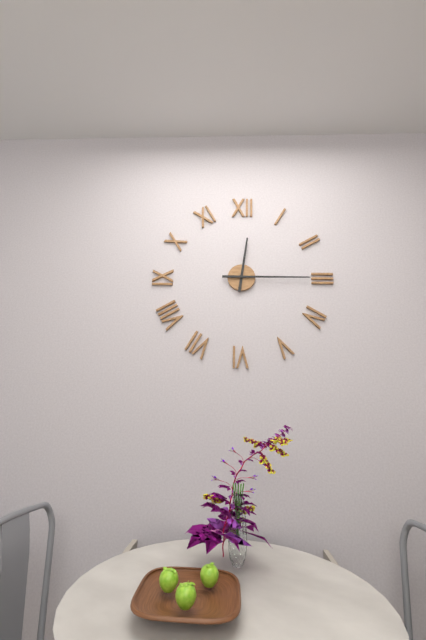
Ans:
**12:15**
